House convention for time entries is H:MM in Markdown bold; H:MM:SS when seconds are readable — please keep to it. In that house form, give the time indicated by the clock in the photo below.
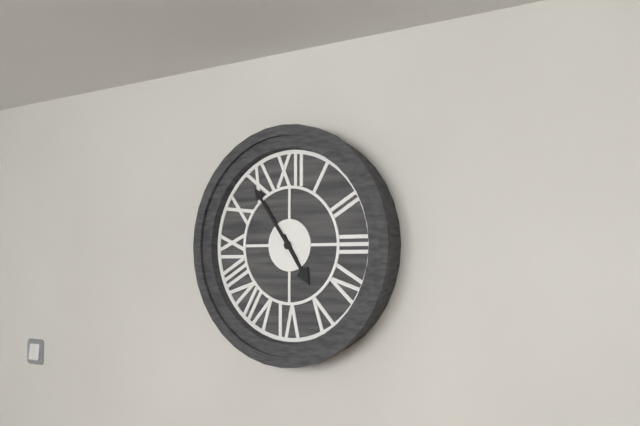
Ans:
**4:54**
